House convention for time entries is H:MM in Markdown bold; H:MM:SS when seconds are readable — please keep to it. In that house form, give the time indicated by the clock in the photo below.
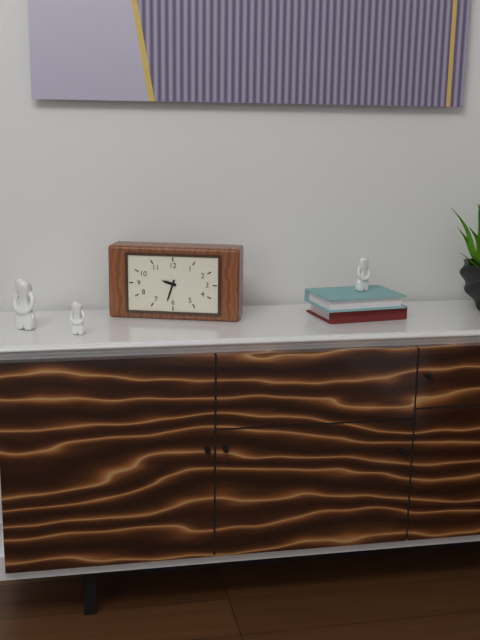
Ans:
**9:33**
